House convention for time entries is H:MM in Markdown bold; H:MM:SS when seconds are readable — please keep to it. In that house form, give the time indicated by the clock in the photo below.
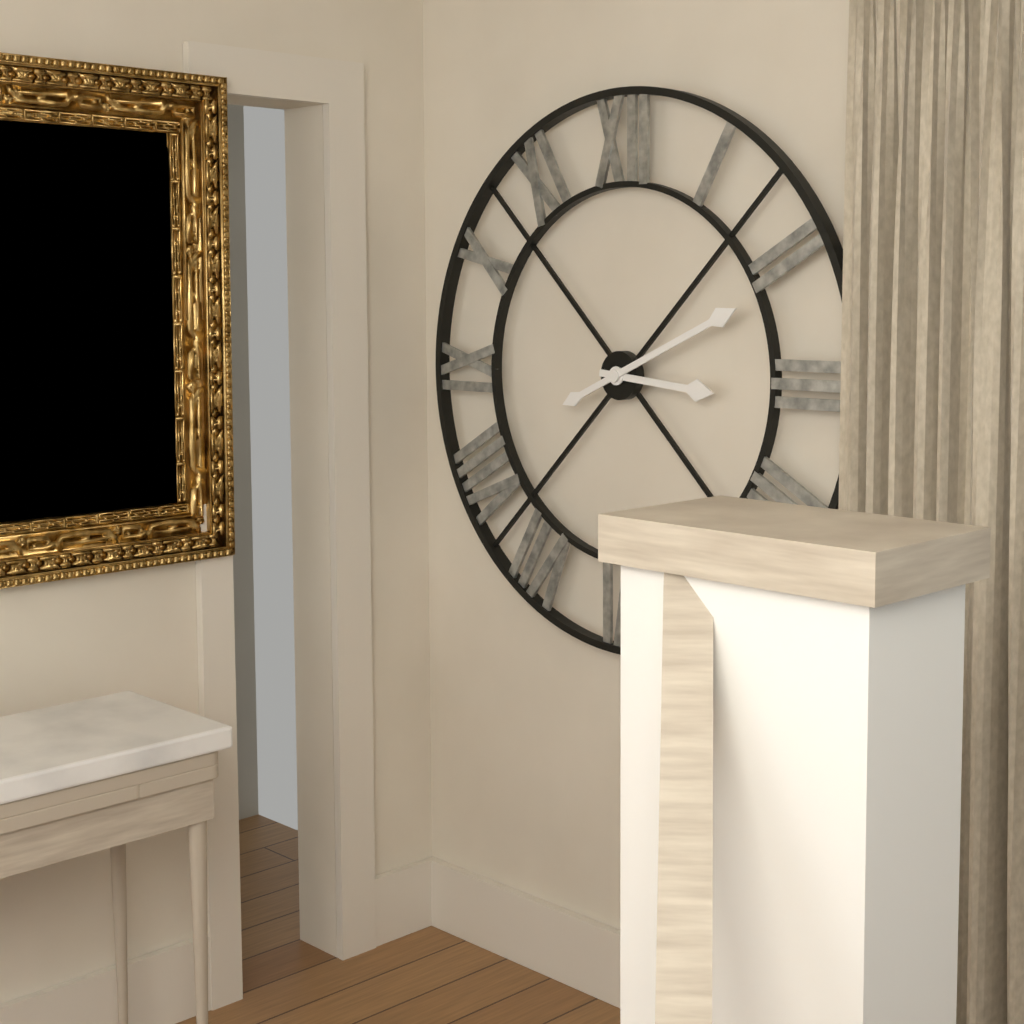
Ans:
**3:11**
